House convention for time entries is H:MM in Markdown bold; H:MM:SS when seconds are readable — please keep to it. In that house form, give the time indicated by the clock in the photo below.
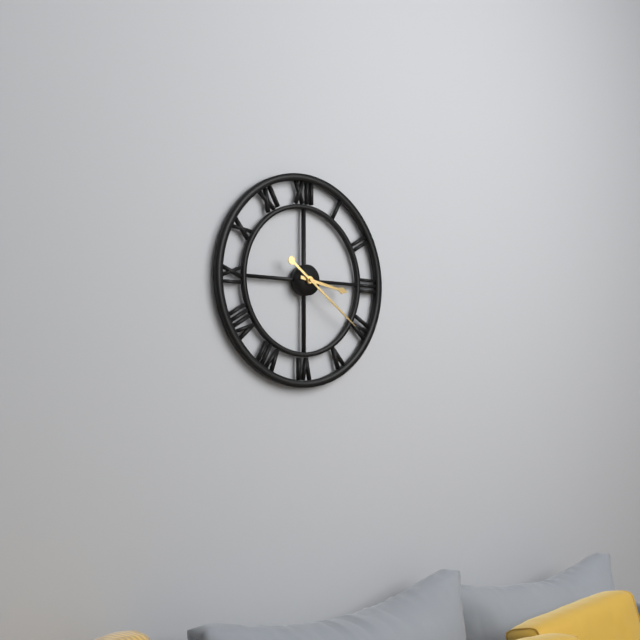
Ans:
**3:21**
